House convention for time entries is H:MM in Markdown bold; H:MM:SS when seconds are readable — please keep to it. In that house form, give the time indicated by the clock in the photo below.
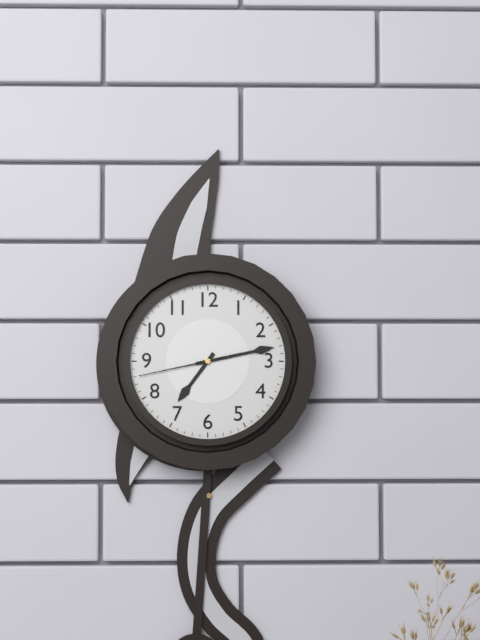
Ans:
**7:13:43**
